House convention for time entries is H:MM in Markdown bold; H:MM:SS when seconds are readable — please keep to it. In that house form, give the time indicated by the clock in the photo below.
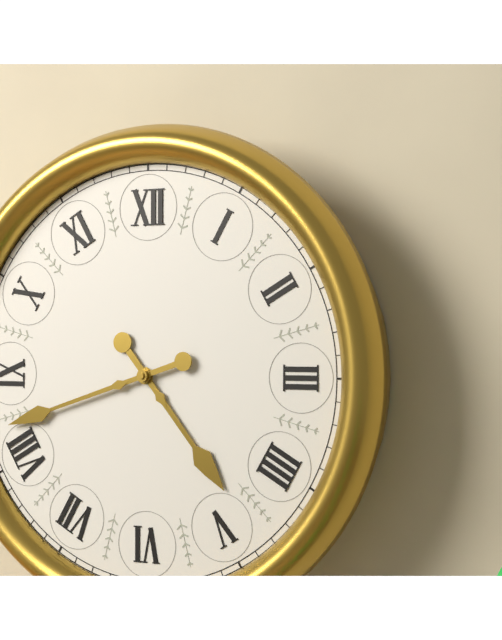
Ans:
**4:42**
